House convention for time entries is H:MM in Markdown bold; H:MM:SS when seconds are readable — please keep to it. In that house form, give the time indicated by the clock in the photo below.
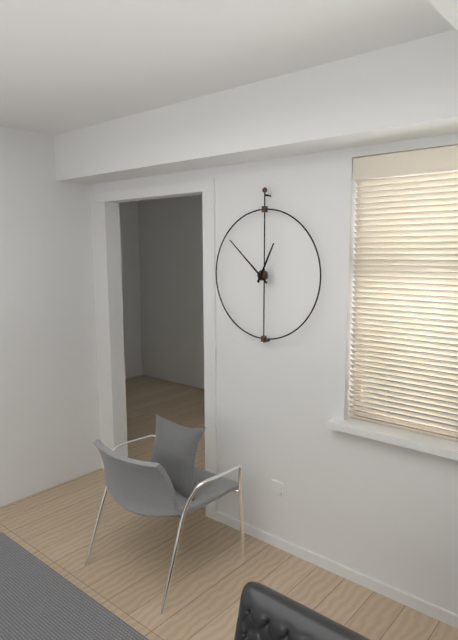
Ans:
**12:52**
